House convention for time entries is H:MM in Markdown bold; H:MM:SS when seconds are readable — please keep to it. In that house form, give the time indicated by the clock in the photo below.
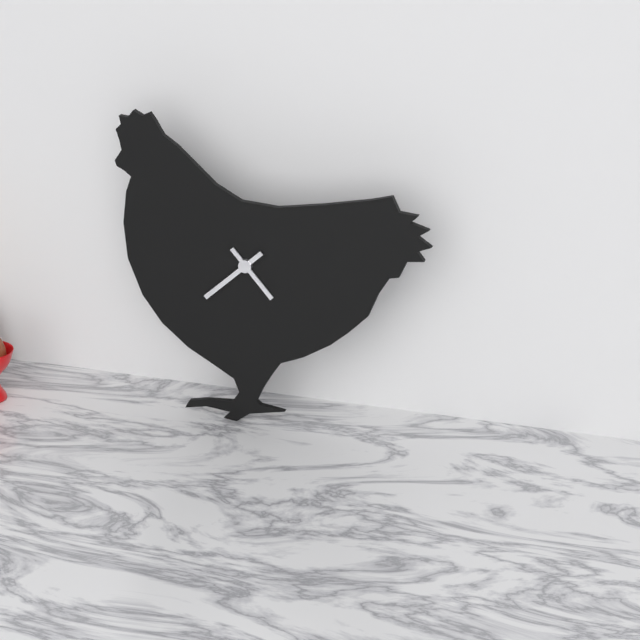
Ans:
**4:38**
